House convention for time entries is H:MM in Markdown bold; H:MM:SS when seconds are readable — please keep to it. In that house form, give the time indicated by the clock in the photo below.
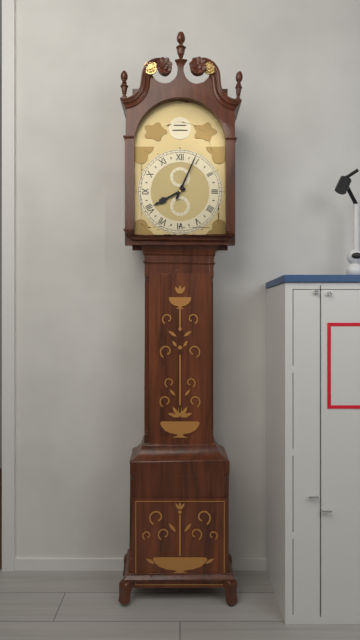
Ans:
**8:04**
